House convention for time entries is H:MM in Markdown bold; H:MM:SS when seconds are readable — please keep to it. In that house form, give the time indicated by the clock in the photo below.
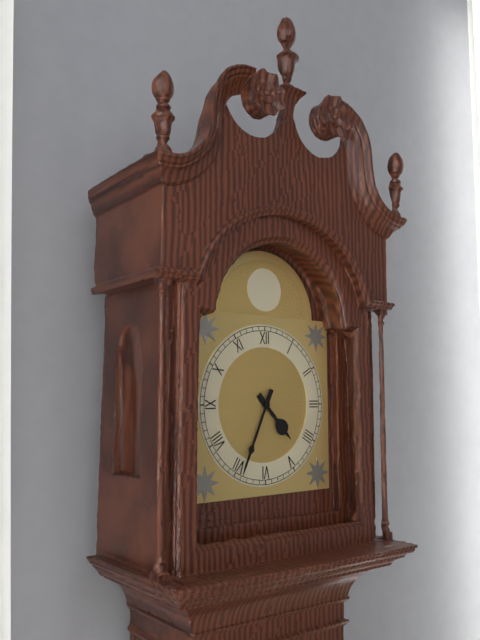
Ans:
**4:34**
